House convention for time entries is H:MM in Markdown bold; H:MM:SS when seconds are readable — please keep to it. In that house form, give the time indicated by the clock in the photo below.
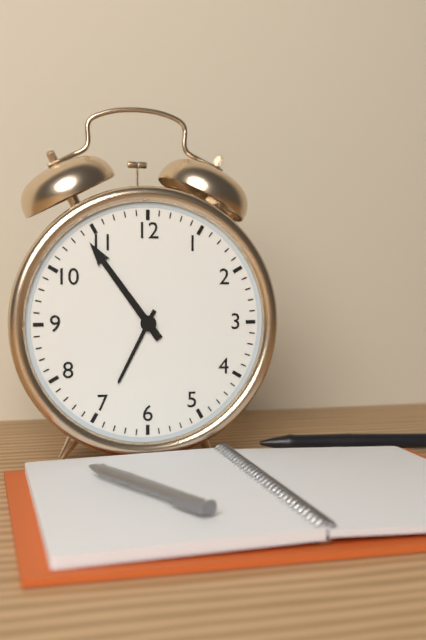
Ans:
**6:54**
